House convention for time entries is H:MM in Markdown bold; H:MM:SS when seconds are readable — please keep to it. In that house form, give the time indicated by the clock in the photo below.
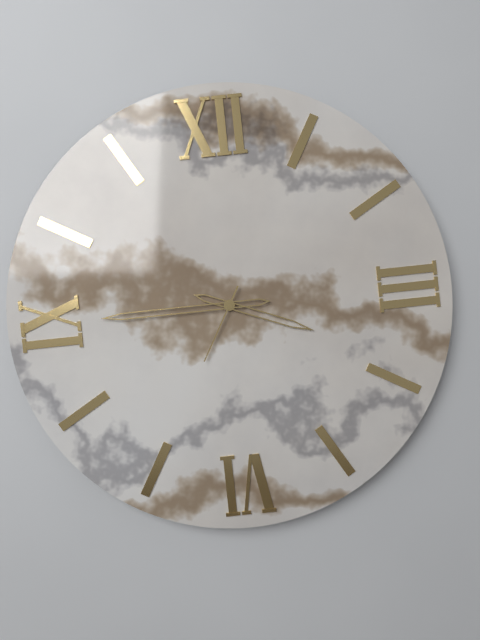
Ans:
**3:45:35**
